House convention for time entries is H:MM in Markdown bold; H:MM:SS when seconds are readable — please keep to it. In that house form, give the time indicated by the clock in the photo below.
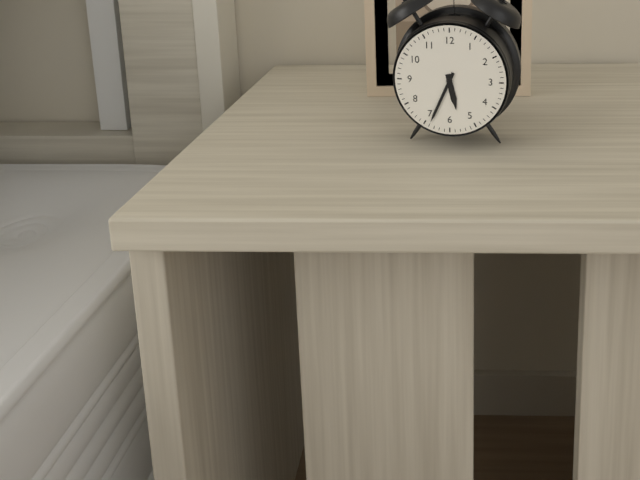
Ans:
**5:34**
